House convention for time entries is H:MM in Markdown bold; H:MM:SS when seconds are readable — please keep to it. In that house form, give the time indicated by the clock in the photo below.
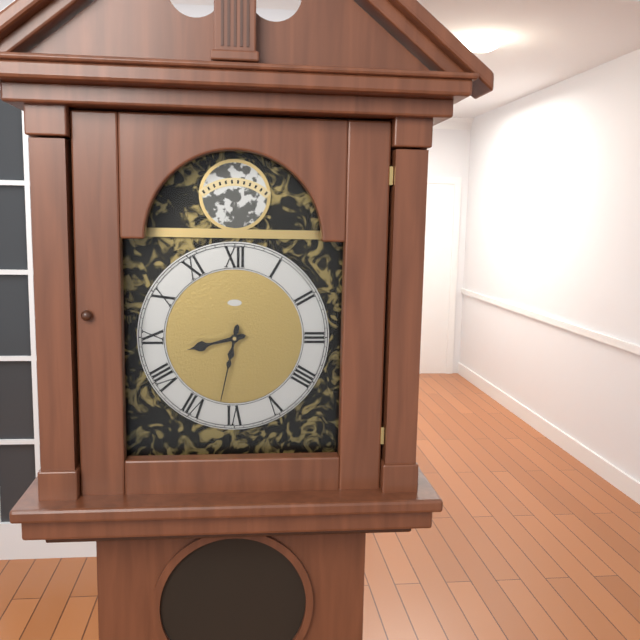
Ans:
**8:32**
